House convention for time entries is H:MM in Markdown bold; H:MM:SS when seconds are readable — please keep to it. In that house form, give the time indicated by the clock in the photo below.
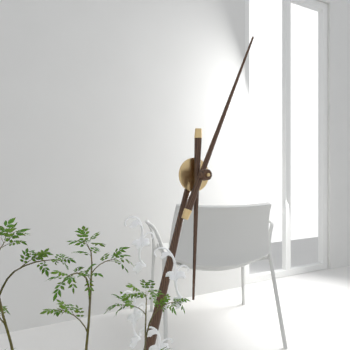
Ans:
**6:04**
